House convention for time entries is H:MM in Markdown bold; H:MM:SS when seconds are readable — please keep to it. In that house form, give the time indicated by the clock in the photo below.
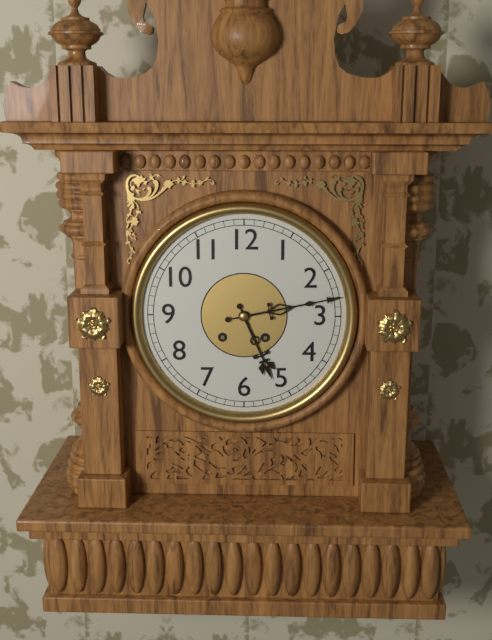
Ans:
**5:13**
